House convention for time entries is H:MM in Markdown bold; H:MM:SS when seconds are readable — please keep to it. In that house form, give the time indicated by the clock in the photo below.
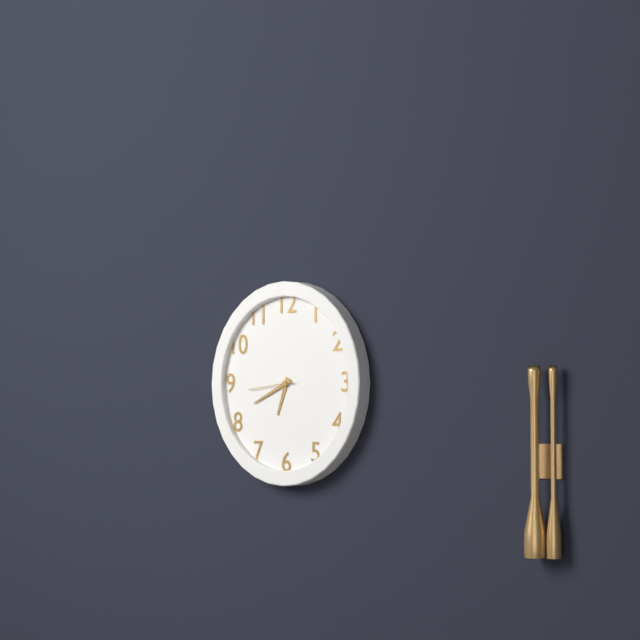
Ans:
**6:41**
